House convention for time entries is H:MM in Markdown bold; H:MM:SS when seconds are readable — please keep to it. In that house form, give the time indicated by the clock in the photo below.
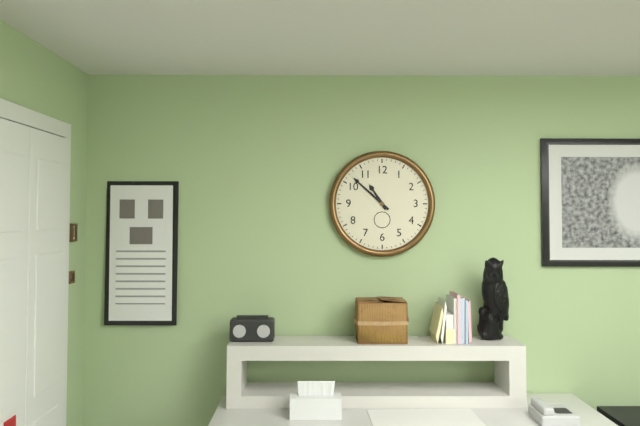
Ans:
**10:52**
